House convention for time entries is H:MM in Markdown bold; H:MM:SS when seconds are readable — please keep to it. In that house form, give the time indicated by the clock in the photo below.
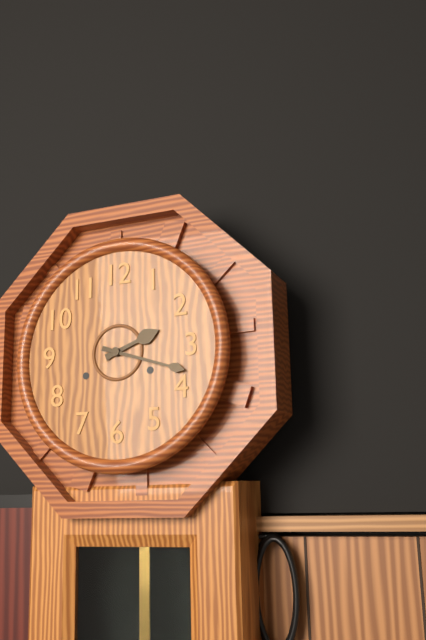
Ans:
**2:18**
